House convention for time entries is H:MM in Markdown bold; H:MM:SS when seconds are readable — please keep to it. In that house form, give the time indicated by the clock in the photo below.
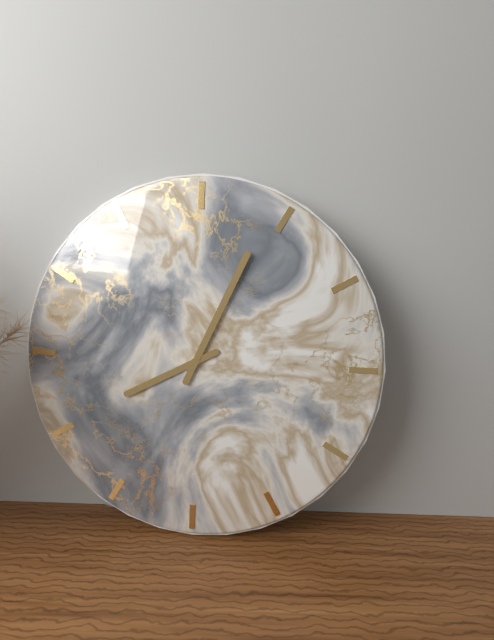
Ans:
**8:04**
